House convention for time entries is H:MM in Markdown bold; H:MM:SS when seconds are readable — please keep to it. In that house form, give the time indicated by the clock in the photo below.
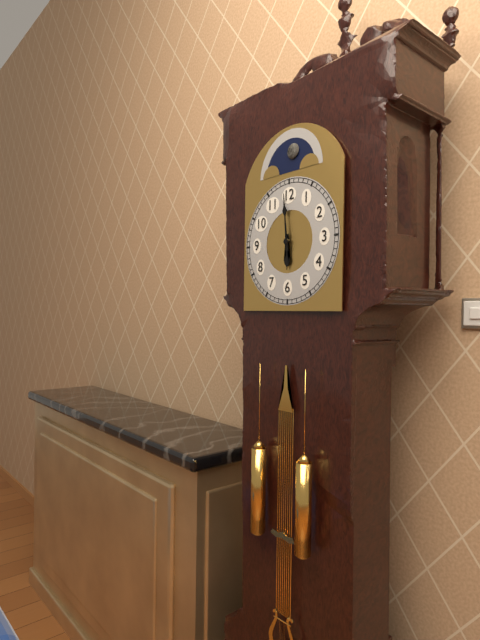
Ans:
**5:59**
